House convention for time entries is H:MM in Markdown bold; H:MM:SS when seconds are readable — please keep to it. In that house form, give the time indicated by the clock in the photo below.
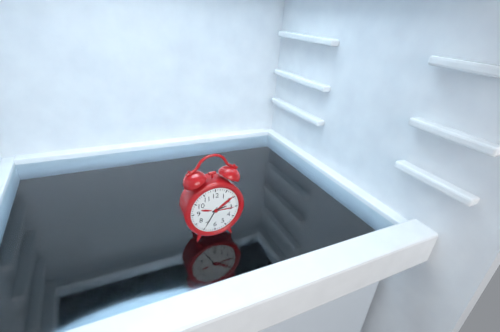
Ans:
**2:35**
